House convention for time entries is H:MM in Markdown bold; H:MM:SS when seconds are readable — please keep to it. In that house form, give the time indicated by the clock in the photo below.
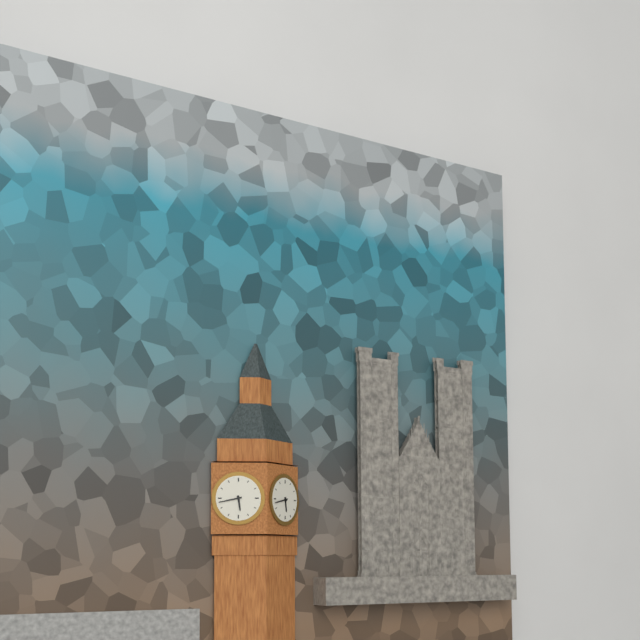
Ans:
**5:43**
